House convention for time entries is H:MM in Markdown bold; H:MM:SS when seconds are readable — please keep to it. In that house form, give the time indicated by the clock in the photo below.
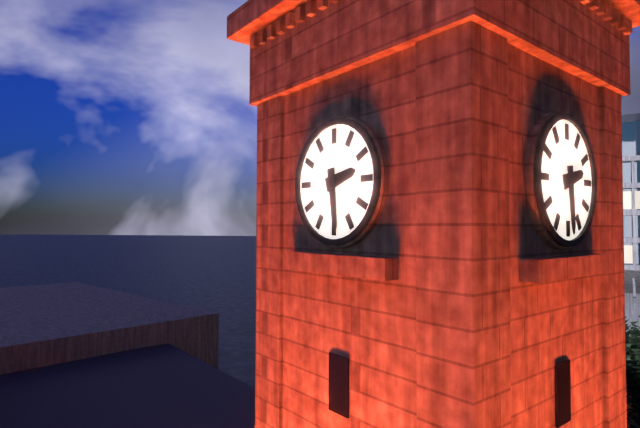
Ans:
**2:29**
